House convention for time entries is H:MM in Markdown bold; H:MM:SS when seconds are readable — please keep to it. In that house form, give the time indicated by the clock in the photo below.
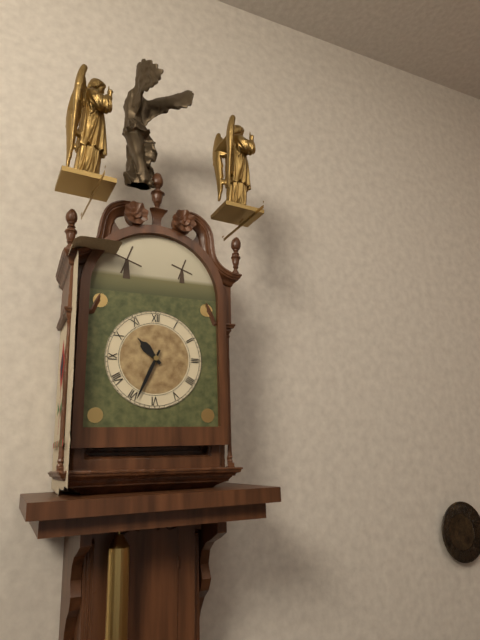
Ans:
**10:34**
